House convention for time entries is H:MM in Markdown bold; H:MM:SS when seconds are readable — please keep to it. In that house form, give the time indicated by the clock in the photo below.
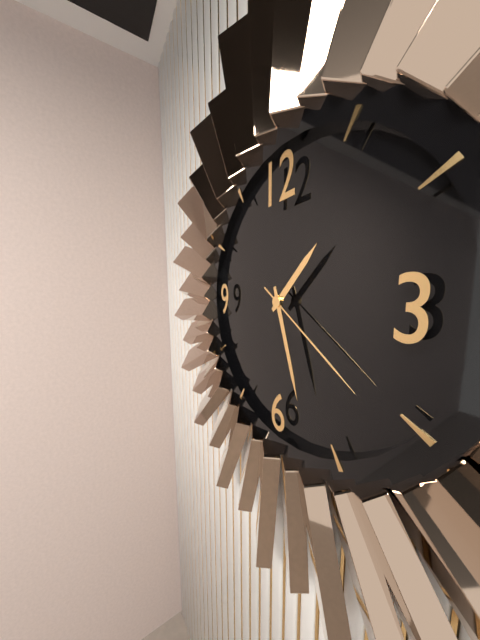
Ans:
**1:27:21**
